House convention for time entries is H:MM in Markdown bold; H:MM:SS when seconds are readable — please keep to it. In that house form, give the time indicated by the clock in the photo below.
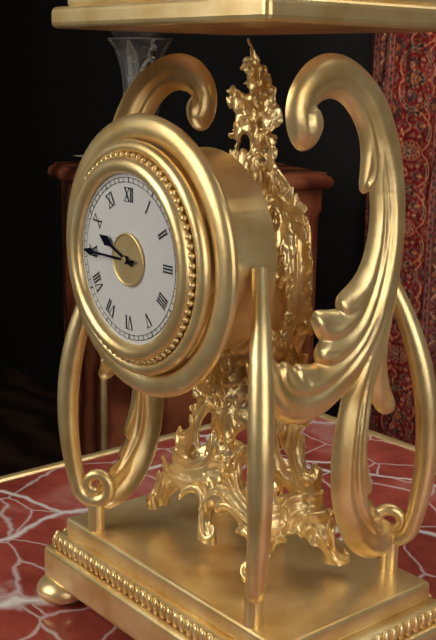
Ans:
**9:45**
